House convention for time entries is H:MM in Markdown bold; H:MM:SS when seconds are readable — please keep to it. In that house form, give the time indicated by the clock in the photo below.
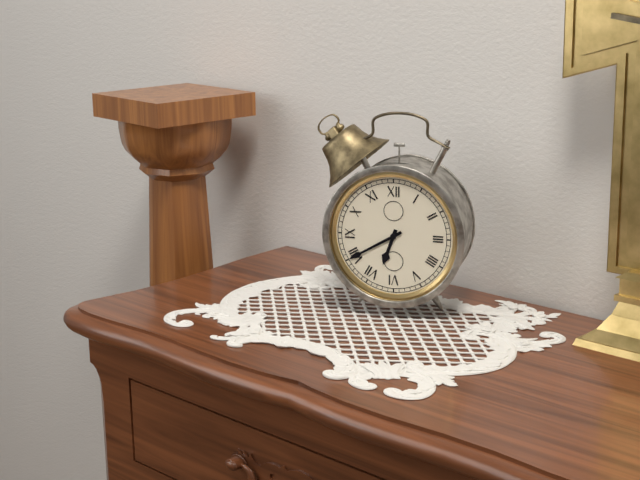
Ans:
**6:40**
